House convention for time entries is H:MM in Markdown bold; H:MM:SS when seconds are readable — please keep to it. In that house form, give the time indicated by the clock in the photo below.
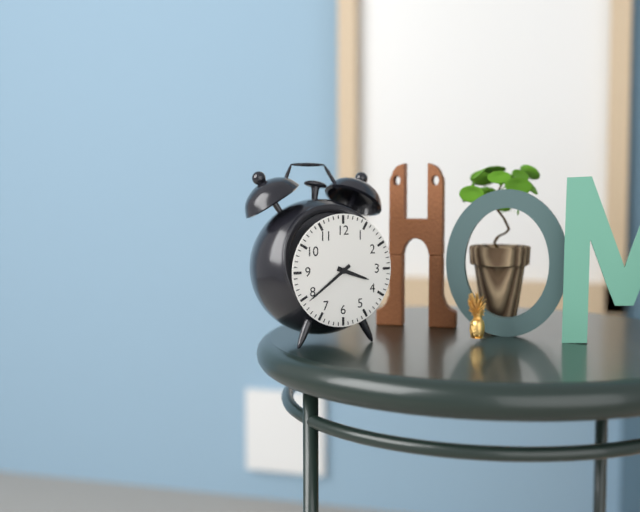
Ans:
**3:39**
